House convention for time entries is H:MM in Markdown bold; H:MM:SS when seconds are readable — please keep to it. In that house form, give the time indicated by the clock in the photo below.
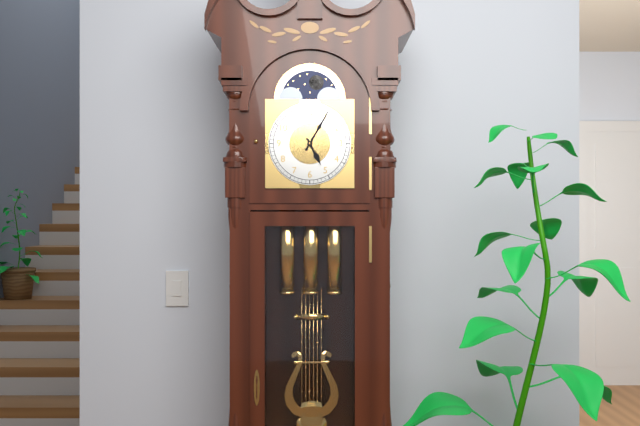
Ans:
**5:05**
